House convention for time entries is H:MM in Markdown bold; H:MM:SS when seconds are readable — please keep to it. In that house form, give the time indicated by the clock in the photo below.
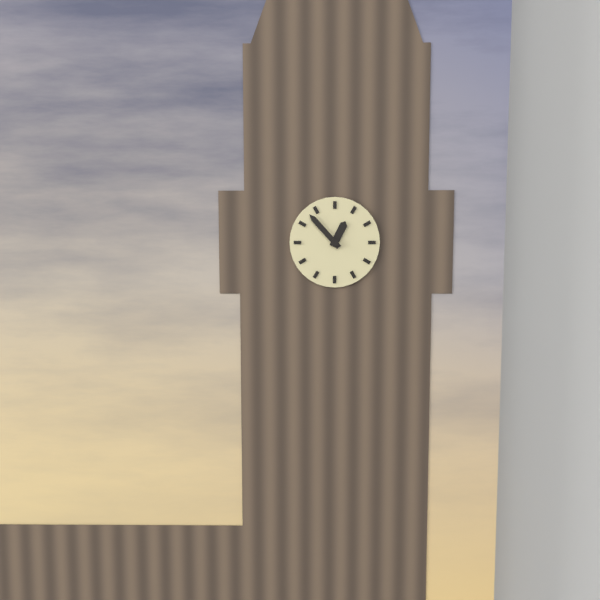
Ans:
**12:53**
